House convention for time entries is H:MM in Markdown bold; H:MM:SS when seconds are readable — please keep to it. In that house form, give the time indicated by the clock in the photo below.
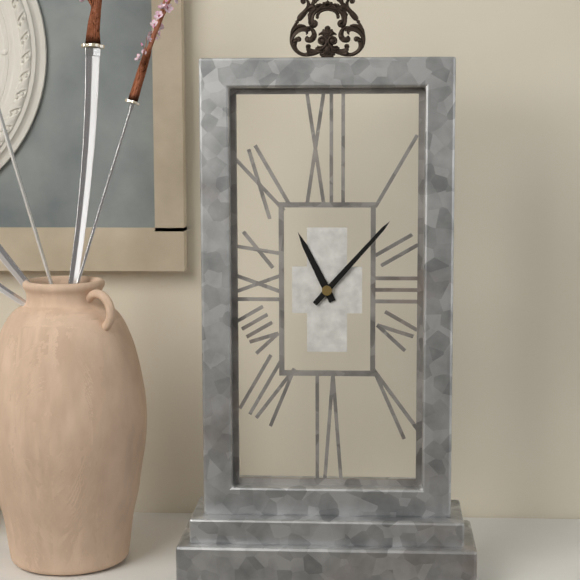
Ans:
**11:07**
